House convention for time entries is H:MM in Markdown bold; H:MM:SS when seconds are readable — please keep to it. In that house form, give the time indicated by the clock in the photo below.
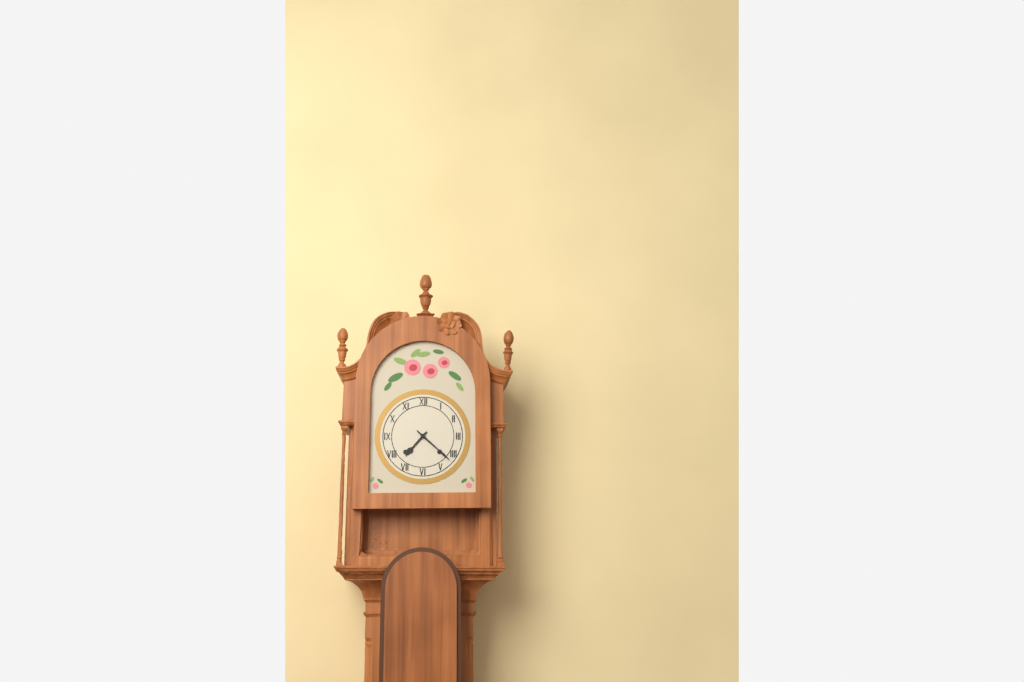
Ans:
**7:22**
